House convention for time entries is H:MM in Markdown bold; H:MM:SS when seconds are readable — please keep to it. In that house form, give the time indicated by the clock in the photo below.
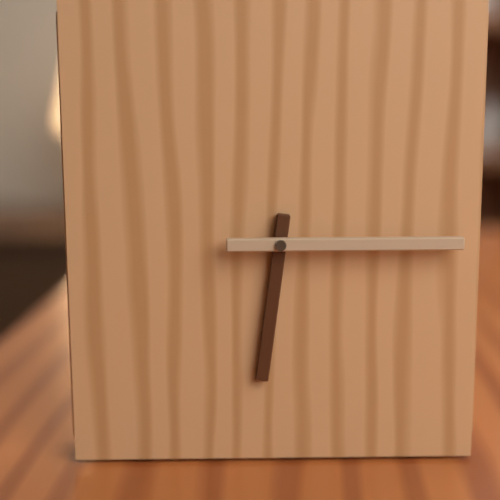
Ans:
**6:15**
